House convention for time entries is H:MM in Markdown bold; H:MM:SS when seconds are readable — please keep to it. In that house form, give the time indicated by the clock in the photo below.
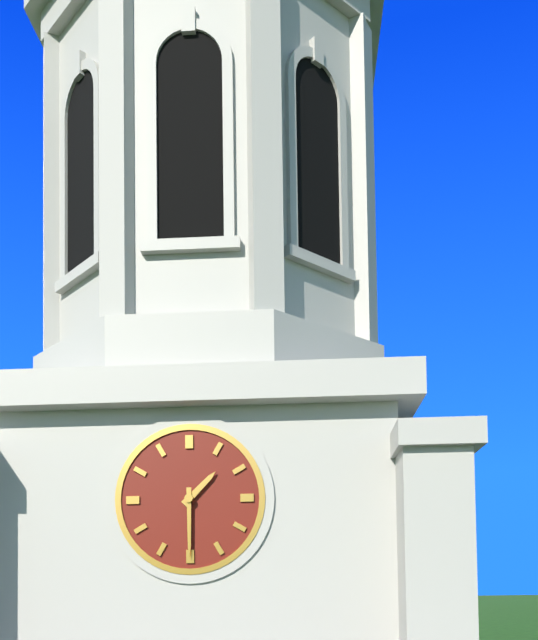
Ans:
**1:30**
